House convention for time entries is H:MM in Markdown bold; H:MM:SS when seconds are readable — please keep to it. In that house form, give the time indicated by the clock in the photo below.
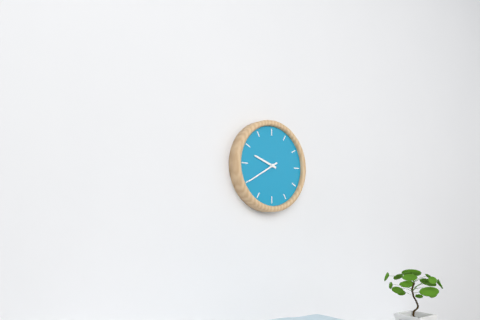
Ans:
**9:40**
